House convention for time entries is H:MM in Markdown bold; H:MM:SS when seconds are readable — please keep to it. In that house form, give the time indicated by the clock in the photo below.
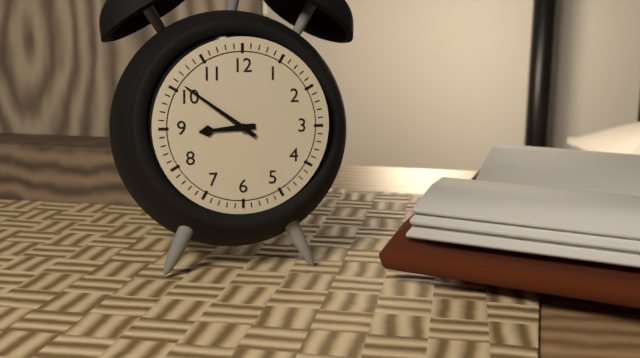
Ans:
**8:51**
